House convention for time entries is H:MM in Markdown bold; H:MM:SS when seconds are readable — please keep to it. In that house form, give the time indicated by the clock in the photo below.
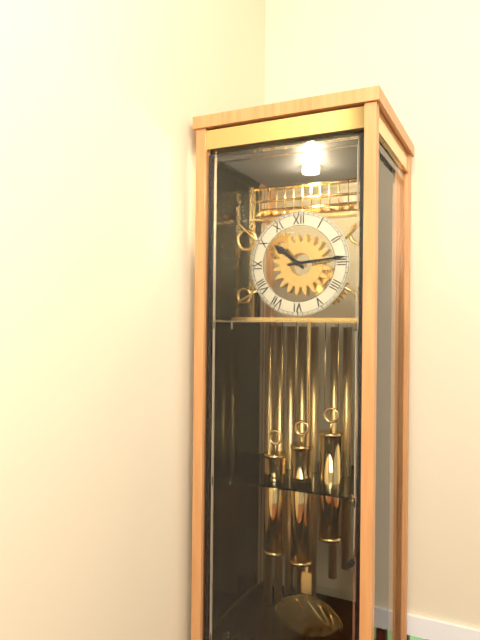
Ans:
**10:14**
